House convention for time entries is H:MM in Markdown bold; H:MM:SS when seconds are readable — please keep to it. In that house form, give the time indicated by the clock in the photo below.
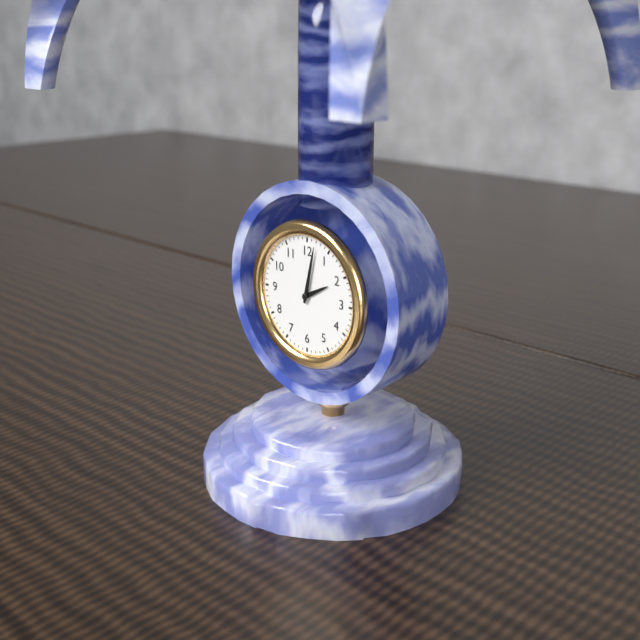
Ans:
**2:02**
